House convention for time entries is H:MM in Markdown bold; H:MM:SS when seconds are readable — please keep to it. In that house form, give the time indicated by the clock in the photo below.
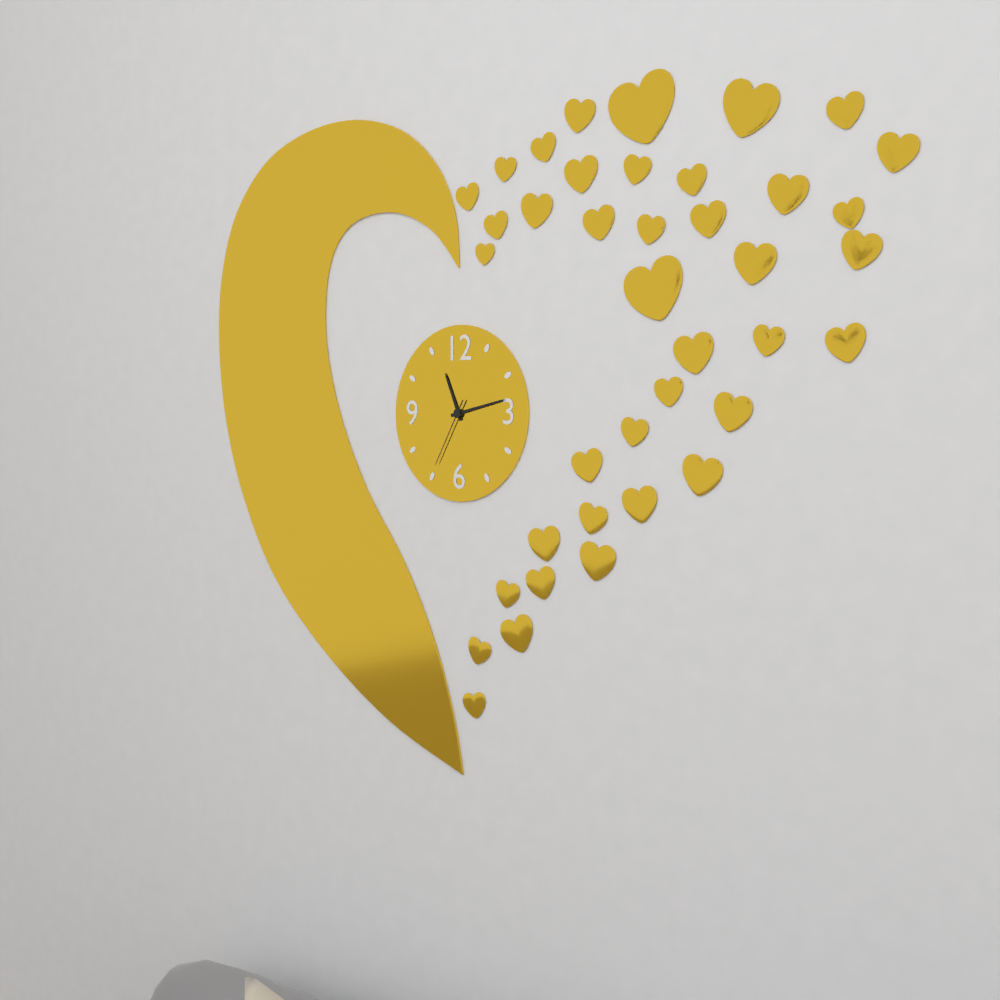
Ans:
**11:13:35**
